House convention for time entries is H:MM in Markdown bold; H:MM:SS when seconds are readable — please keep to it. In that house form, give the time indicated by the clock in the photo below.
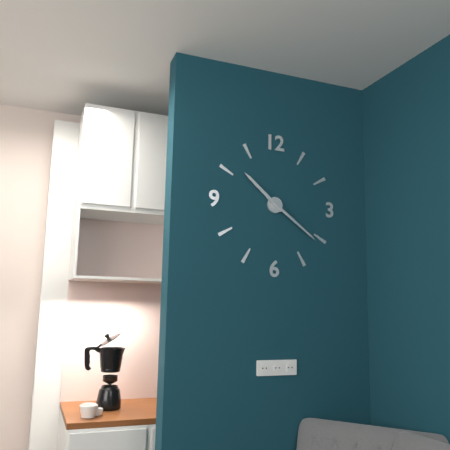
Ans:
**10:21**
